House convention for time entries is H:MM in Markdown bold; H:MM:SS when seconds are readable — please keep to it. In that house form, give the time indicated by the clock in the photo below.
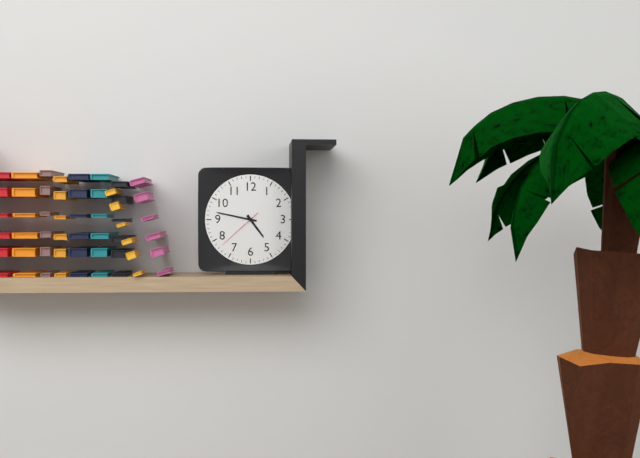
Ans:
**4:47**
